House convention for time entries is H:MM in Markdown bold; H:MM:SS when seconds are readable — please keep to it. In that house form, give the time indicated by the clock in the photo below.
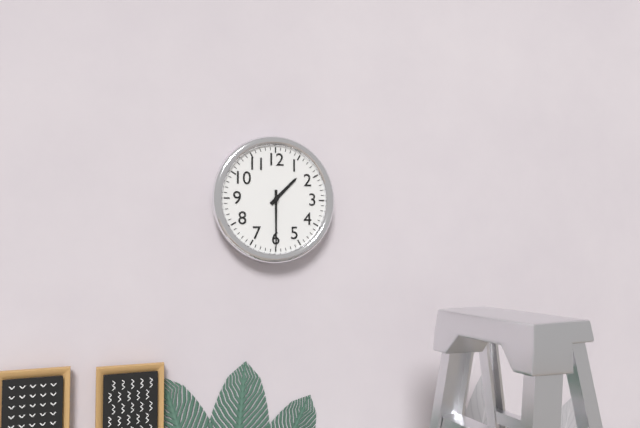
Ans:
**1:30**
